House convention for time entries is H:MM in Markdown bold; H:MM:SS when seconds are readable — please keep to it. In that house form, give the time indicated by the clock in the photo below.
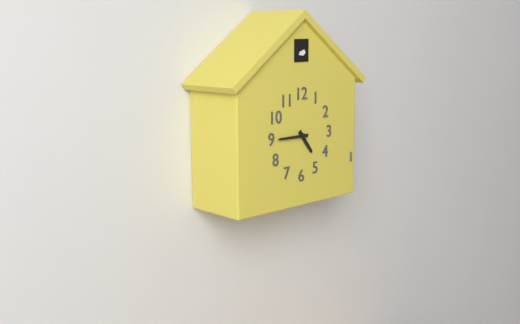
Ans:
**4:45**
